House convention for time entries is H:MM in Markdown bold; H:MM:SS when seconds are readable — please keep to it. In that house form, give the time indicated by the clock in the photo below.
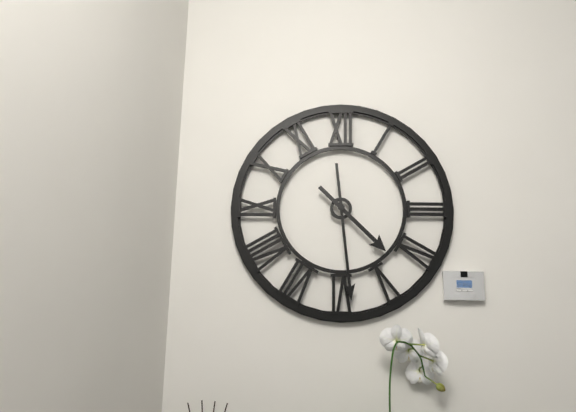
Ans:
**4:29**
